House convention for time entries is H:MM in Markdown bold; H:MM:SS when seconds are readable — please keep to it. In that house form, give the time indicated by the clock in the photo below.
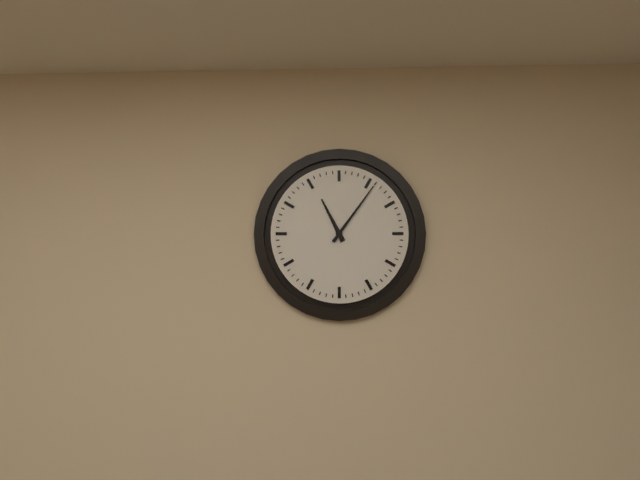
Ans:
**11:06**
